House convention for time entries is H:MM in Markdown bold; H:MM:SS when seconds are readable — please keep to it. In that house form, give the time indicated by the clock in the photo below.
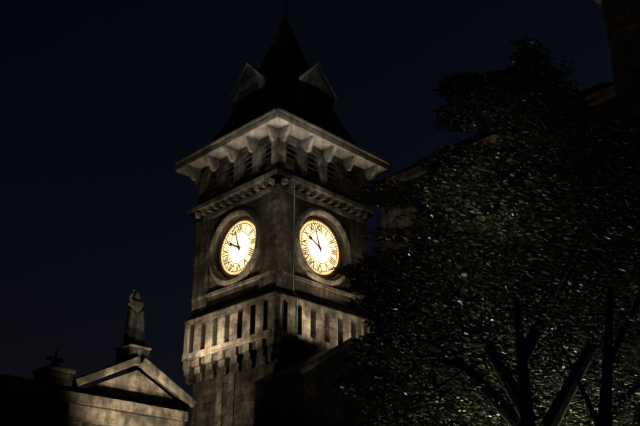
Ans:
**9:57**
